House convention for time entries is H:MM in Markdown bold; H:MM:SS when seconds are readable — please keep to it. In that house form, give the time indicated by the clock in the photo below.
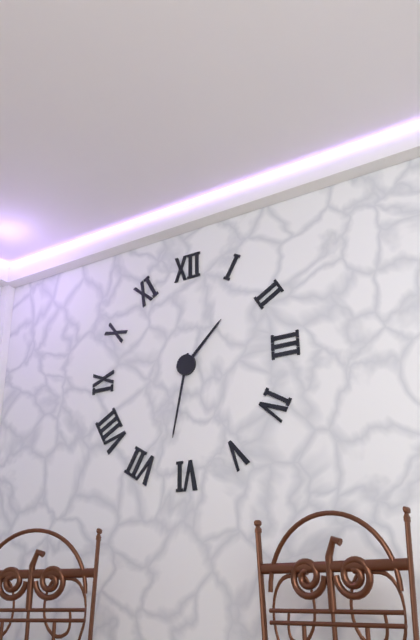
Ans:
**1:32**
